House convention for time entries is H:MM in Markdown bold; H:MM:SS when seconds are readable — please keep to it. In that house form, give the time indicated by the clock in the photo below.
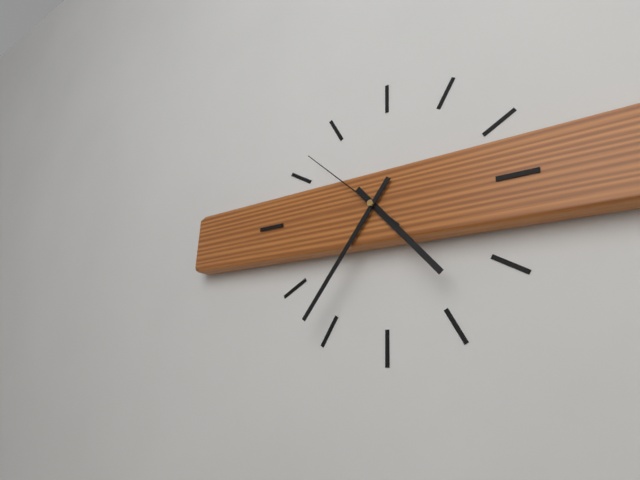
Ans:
**4:36:52**
